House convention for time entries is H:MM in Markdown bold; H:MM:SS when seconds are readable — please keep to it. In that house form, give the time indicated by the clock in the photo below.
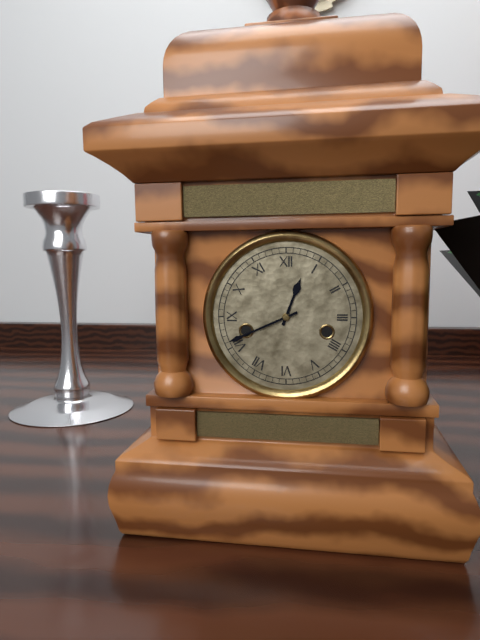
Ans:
**12:41**
